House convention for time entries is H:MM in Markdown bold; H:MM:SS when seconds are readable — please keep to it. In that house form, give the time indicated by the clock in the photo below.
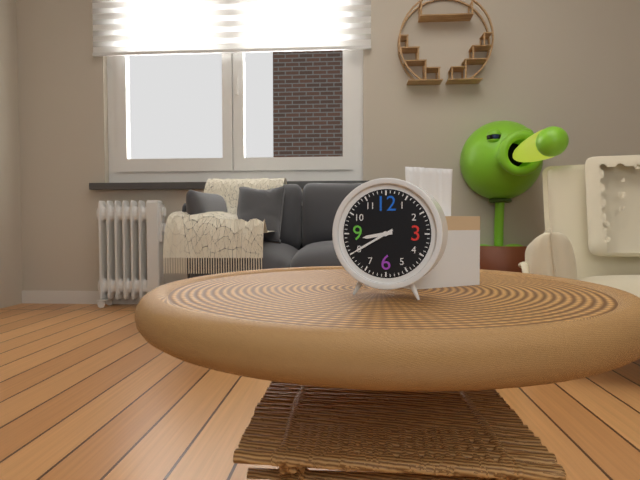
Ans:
**8:40**
